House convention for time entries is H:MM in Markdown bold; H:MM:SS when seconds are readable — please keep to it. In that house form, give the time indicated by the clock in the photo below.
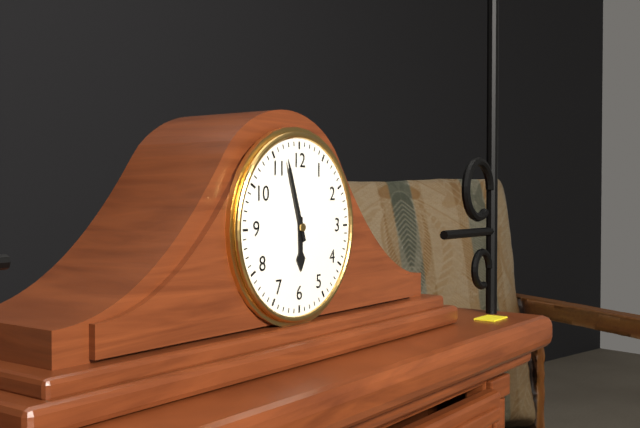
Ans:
**5:57**
